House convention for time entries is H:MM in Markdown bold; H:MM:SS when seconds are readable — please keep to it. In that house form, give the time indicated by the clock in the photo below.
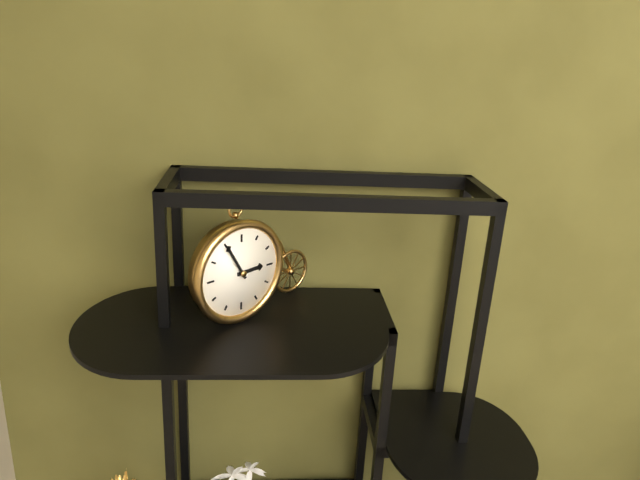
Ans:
**2:55**
